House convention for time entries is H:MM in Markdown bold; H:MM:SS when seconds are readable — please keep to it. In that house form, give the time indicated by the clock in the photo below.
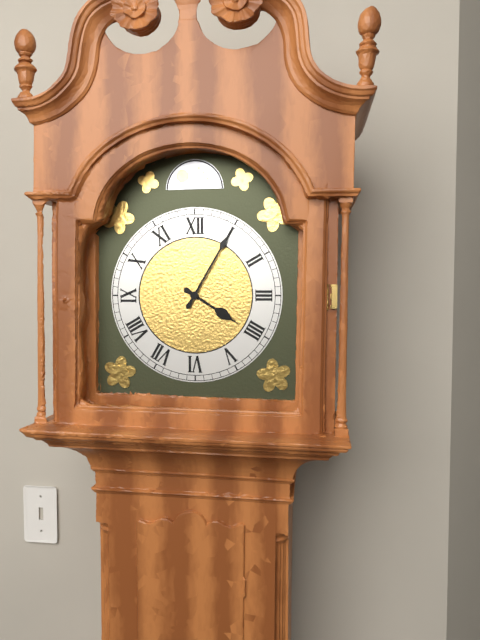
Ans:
**4:05**
